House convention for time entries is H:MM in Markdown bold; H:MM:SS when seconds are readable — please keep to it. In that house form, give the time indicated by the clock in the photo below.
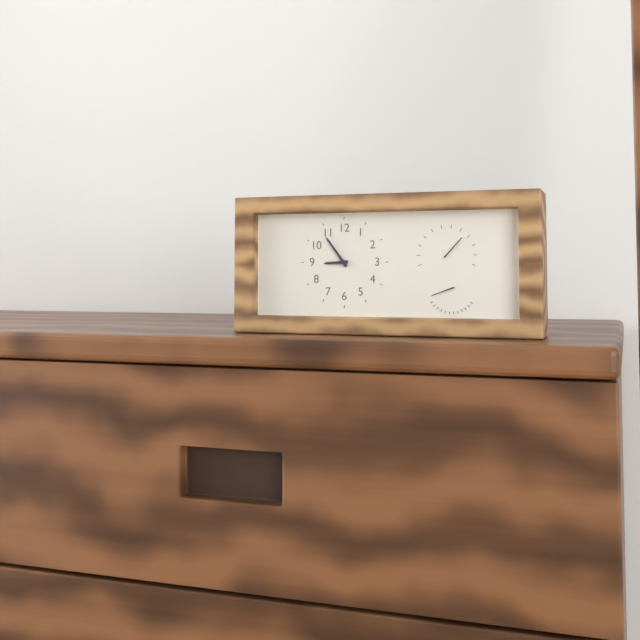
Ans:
**8:54**
